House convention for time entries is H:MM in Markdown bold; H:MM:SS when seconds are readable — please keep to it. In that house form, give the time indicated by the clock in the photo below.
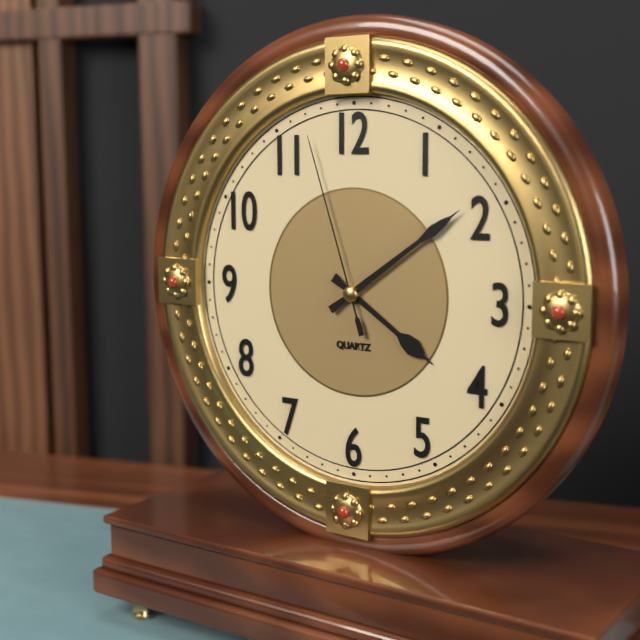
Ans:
**4:09:57**
